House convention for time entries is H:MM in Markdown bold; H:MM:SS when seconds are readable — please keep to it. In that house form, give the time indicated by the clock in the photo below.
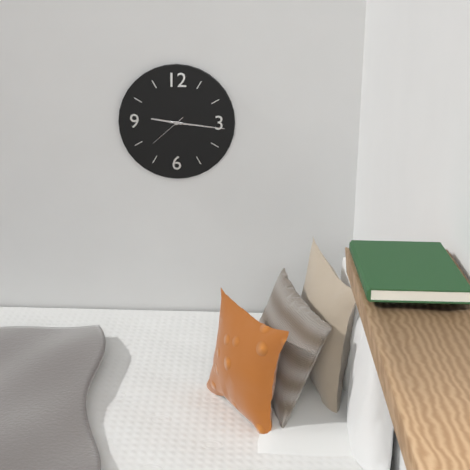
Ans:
**9:16**
